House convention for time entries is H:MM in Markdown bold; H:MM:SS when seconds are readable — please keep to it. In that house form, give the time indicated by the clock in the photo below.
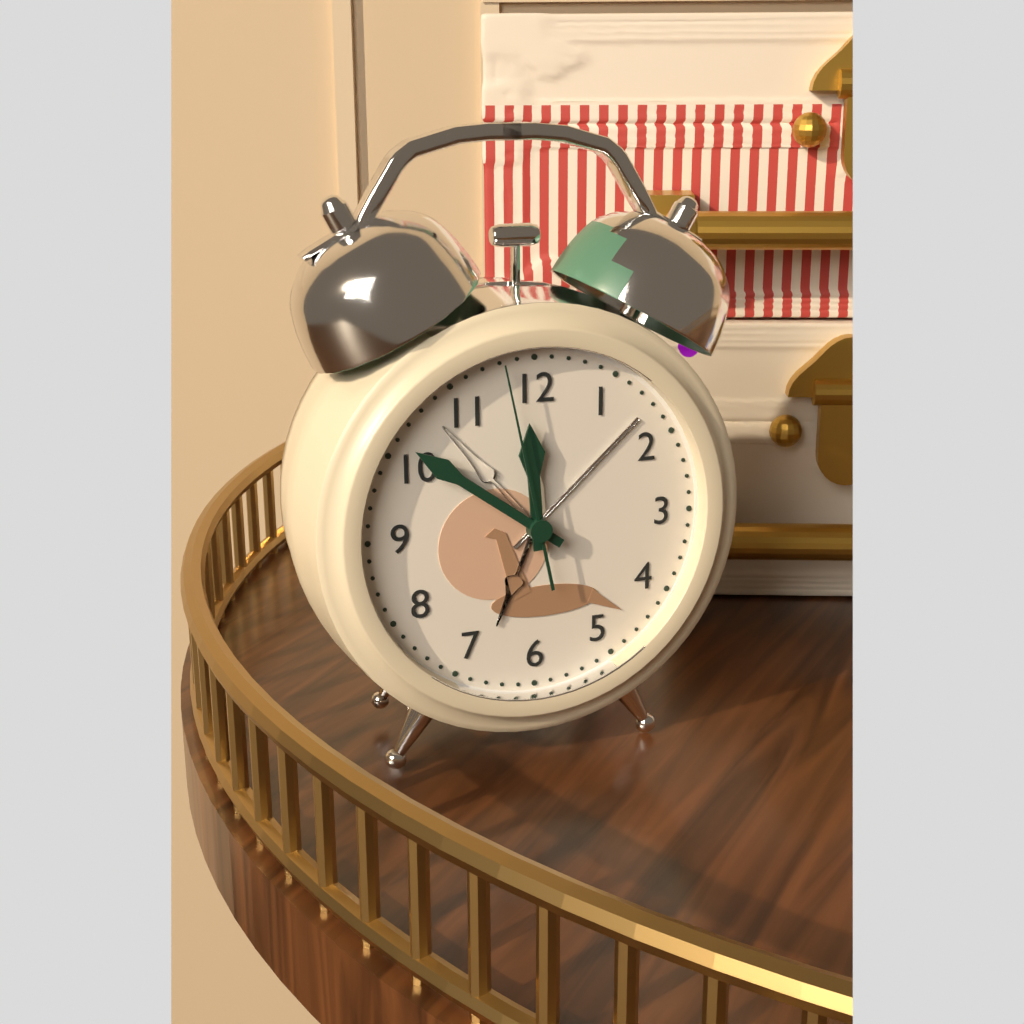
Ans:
**11:51:58**
